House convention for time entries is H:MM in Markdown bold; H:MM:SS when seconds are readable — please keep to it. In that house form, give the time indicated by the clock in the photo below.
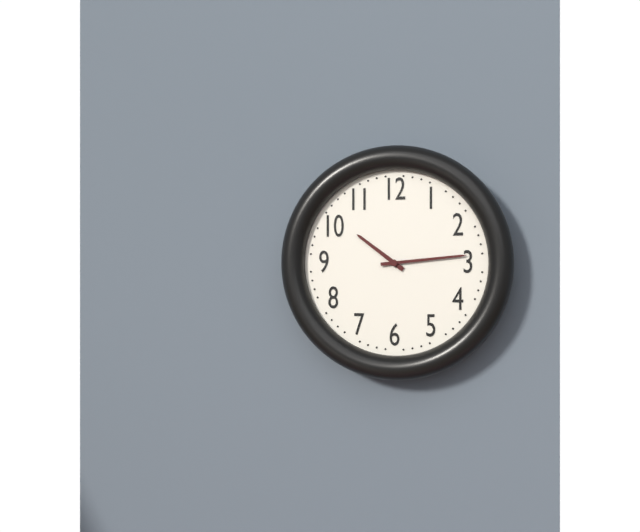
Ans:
**10:14**
